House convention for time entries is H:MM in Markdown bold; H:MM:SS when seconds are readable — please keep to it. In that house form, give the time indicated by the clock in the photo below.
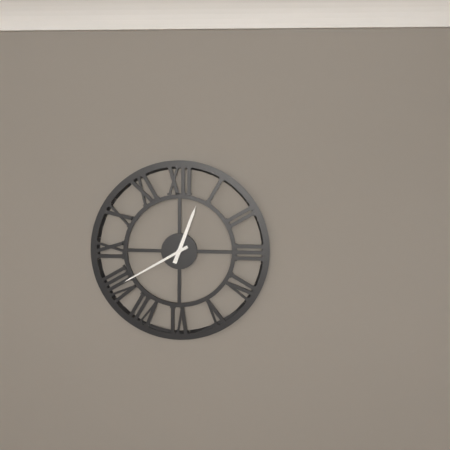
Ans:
**12:40**
